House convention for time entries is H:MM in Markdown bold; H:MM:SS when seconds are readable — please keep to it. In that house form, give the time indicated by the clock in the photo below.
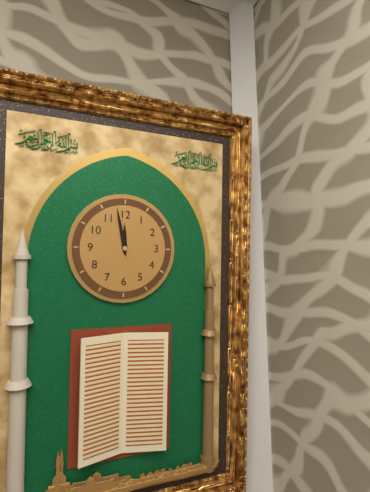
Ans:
**11:58**
